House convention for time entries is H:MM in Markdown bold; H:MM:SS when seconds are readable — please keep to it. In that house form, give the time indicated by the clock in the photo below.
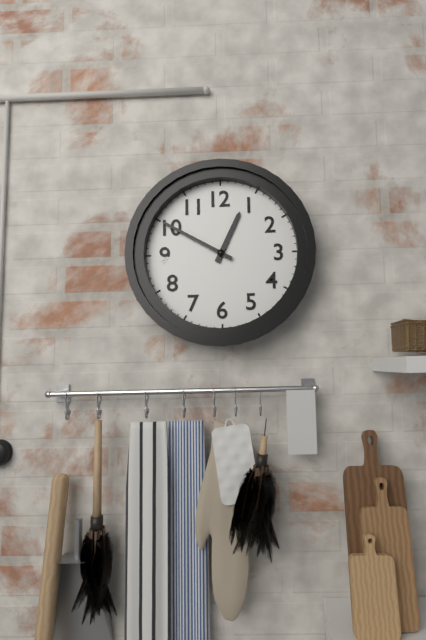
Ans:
**12:50**
